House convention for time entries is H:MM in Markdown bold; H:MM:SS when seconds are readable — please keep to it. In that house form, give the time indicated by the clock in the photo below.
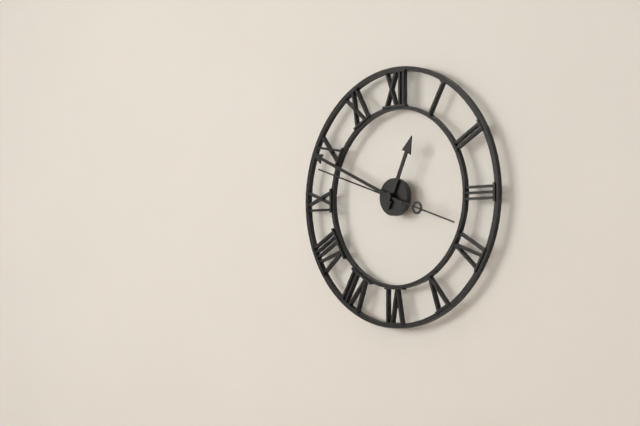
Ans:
**12:49:48**
